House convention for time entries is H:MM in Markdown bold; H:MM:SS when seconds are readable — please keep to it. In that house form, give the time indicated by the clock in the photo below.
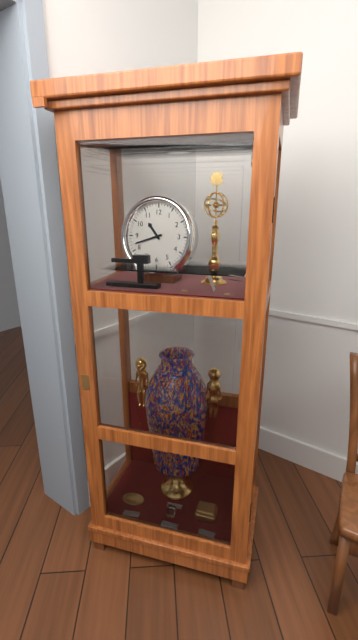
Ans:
**10:42**
